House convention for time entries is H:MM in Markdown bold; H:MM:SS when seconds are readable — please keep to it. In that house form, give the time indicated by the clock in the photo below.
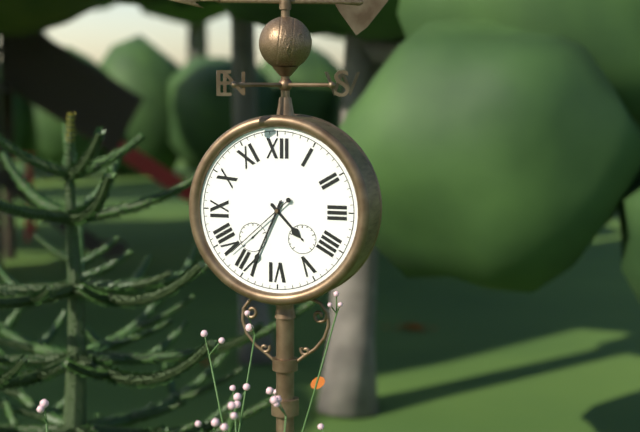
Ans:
**4:34:38**
